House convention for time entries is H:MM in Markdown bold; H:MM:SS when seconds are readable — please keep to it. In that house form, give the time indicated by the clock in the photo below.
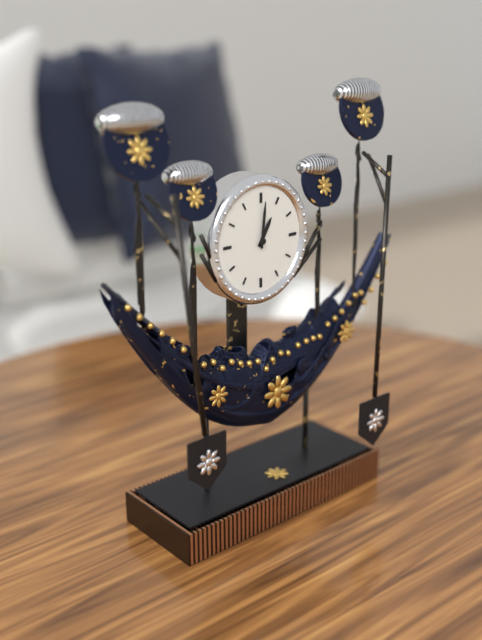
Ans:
**1:01**
